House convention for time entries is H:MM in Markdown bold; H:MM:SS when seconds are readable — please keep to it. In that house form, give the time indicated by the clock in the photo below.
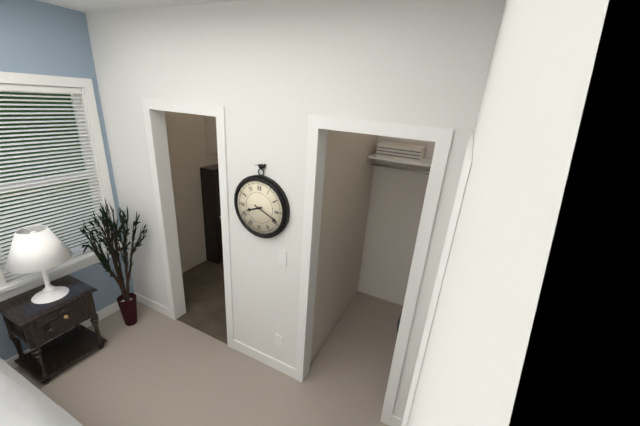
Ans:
**8:19**
